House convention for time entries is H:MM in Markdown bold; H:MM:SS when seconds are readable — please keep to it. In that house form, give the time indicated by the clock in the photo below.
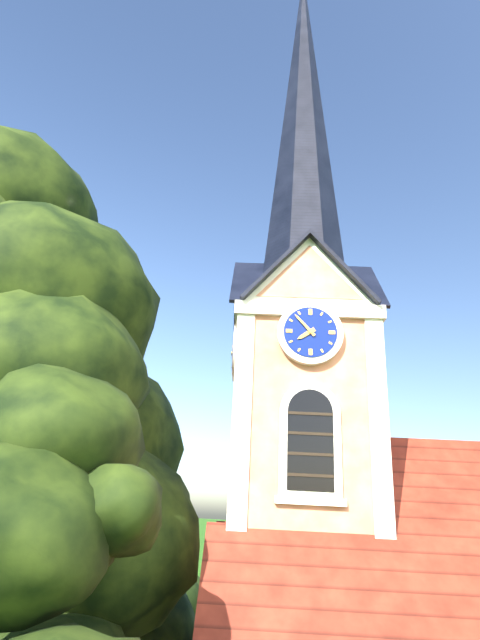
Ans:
**7:53**
